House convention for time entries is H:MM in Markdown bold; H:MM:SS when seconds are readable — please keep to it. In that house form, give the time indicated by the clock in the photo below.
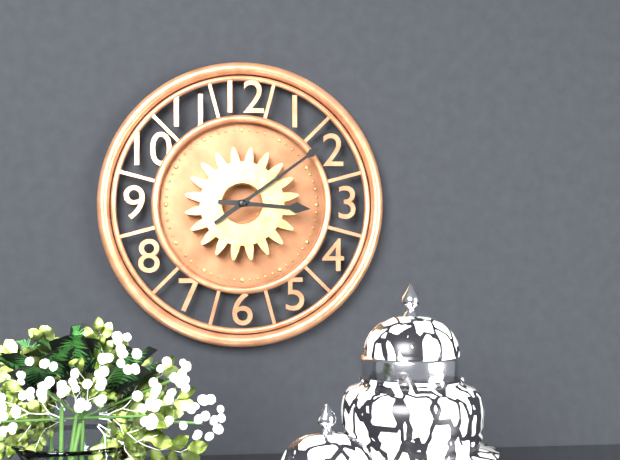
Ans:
**3:09**
